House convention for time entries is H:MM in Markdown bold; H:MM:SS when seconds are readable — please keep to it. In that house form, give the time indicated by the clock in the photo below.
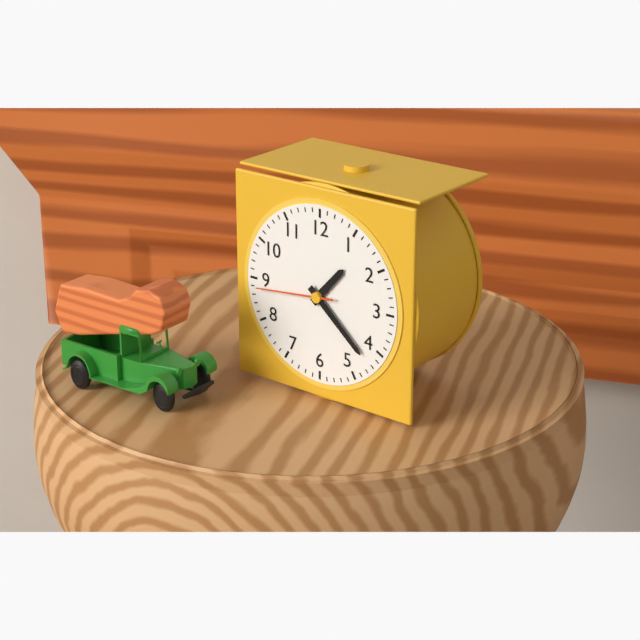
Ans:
**1:22:44**
